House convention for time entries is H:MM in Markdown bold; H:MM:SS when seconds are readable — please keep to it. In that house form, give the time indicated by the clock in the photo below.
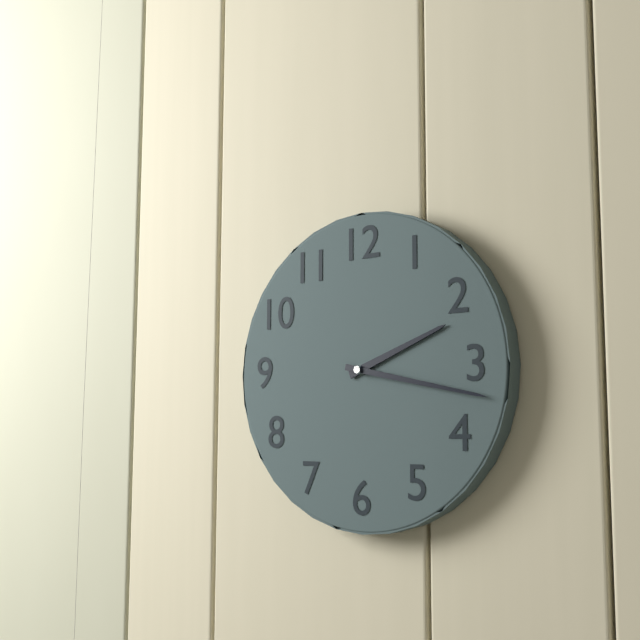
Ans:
**2:17**
